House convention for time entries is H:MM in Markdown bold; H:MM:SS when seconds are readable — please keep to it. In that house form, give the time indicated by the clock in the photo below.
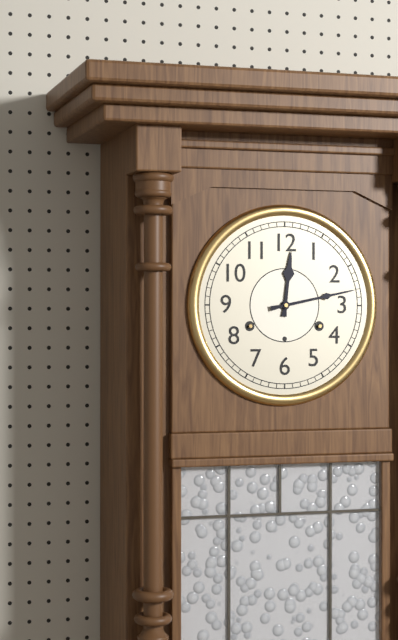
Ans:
**12:13**
